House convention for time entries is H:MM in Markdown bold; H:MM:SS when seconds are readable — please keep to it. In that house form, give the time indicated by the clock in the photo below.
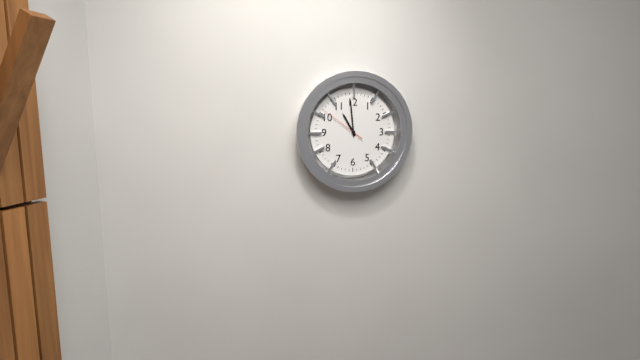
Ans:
**10:59**
